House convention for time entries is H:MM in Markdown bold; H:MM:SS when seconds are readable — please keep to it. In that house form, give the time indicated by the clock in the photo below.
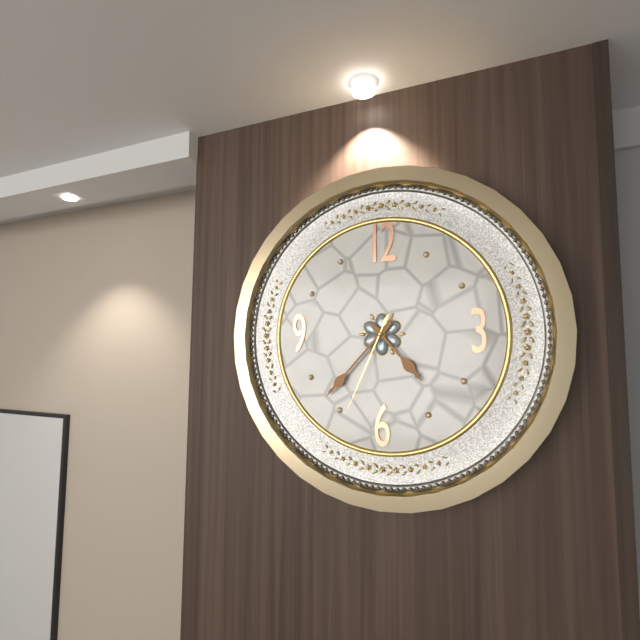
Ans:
**4:37:34**
